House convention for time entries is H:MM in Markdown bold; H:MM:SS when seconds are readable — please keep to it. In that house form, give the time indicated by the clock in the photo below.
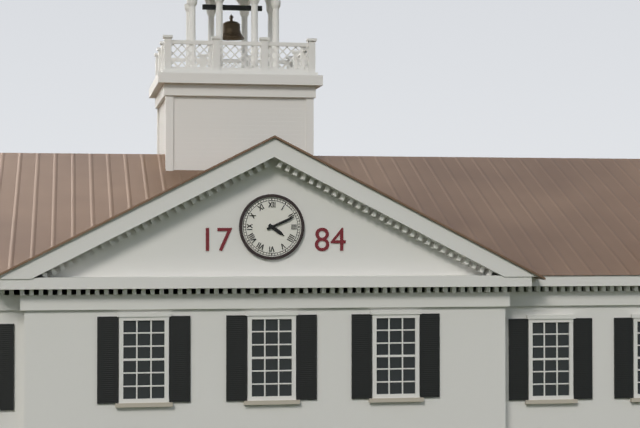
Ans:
**4:11**
